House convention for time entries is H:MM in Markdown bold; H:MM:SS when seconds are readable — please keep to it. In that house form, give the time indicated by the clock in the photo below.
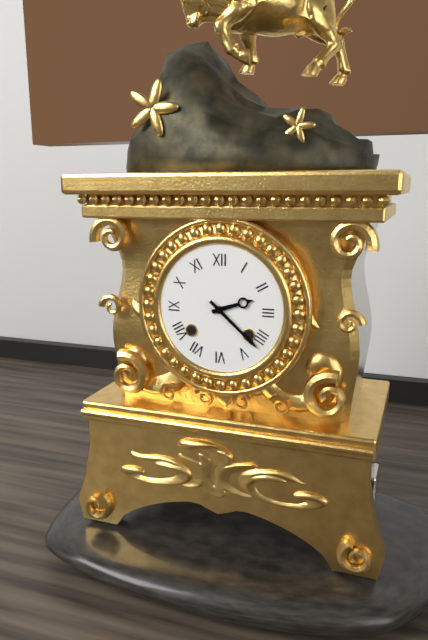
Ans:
**2:22**
